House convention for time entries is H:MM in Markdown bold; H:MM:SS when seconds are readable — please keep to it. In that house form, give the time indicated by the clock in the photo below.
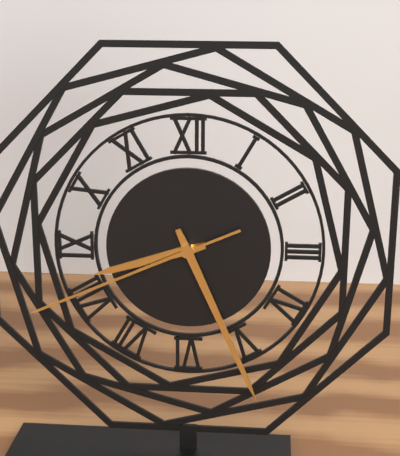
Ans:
**8:26:41**
